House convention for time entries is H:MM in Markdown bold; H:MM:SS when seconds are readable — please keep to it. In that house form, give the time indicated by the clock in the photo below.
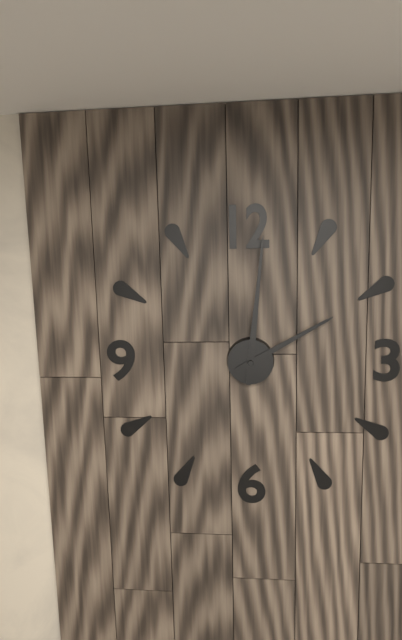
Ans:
**2:01**
